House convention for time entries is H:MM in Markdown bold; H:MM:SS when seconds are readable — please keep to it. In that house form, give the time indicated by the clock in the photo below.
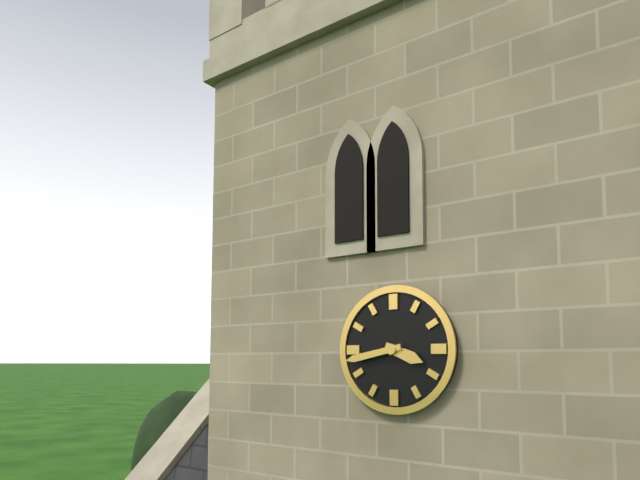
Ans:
**3:43**
